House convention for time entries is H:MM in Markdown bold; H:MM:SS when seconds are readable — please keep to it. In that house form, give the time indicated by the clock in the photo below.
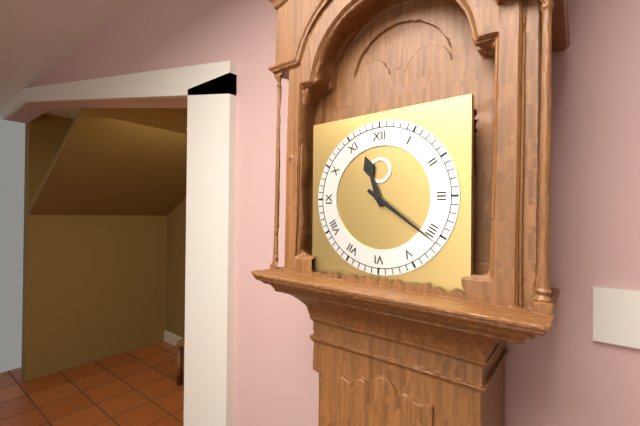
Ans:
**11:21**
